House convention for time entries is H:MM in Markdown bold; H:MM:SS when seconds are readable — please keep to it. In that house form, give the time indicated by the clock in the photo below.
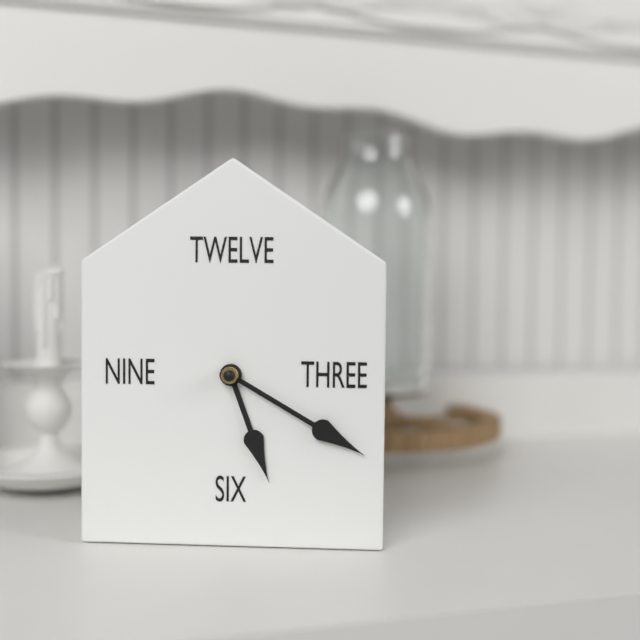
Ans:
**5:20**
